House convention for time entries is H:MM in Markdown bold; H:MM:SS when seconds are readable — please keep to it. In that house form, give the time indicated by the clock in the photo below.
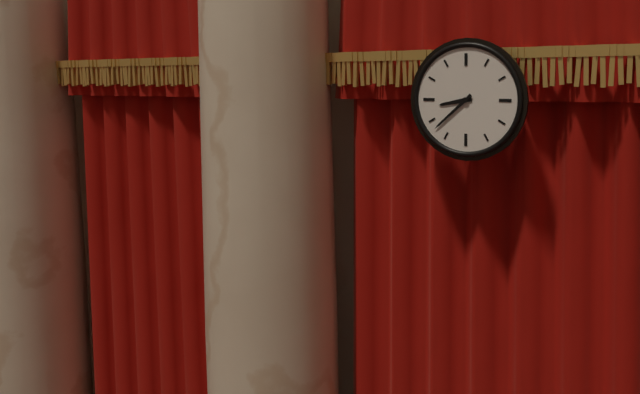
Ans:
**8:38**
